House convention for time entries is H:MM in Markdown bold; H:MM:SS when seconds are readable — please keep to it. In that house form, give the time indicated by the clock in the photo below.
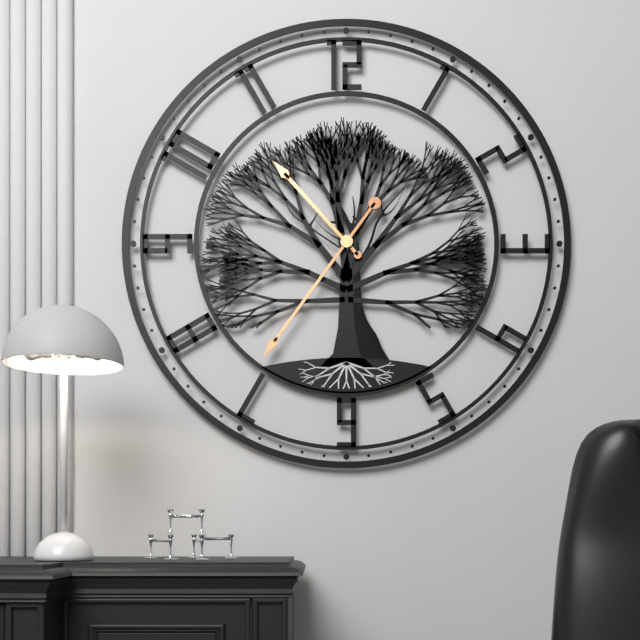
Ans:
**10:36**
